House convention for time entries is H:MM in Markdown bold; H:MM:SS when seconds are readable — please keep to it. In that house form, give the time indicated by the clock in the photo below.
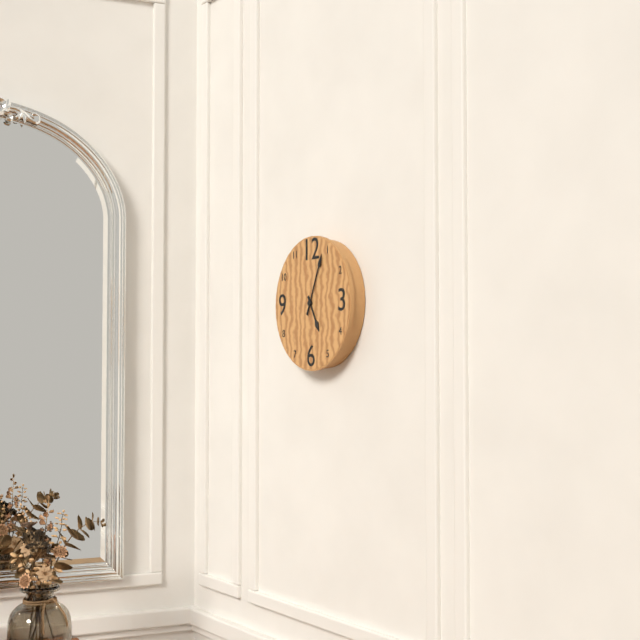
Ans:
**5:04**
